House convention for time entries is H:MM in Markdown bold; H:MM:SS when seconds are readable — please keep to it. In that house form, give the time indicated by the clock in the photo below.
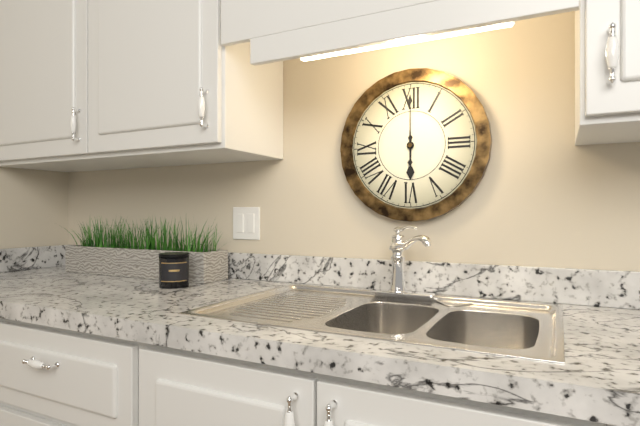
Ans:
**6:00**
